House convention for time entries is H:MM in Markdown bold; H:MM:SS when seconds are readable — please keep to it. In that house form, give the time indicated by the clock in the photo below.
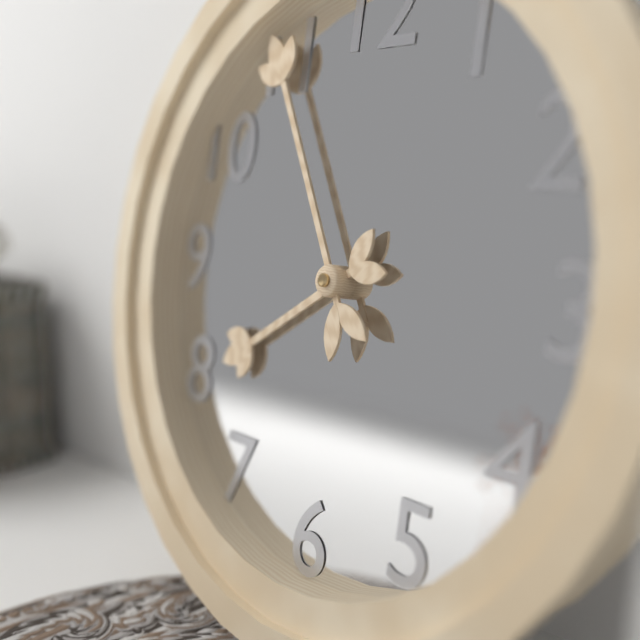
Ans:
**7:55**
